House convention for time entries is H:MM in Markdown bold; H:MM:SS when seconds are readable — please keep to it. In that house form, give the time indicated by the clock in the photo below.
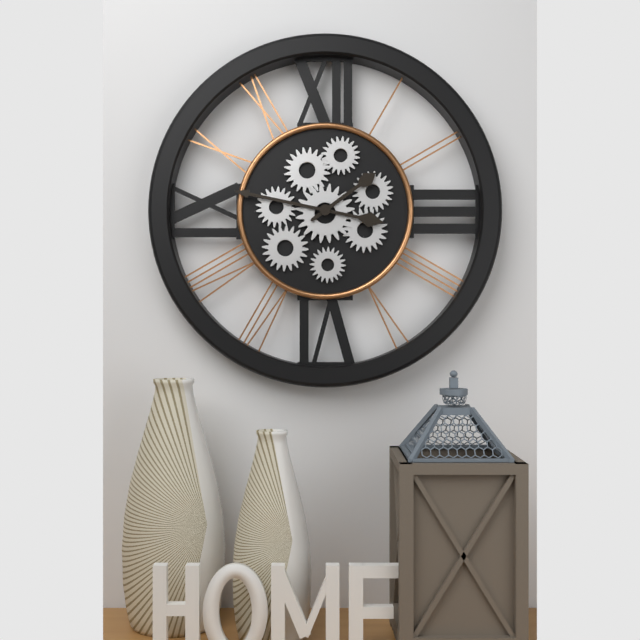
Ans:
**1:47**
